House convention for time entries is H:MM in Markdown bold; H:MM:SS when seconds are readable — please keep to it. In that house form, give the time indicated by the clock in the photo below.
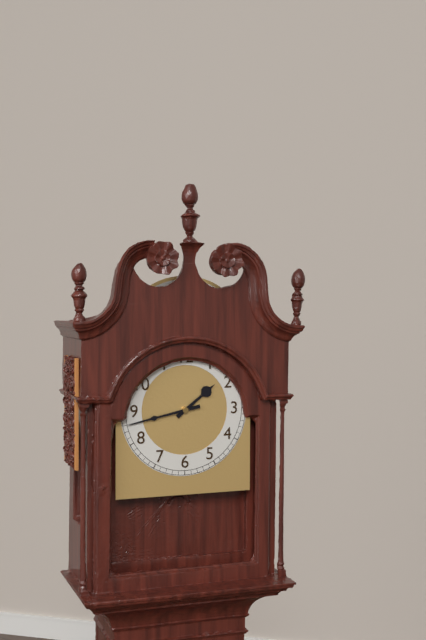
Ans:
**1:43**
